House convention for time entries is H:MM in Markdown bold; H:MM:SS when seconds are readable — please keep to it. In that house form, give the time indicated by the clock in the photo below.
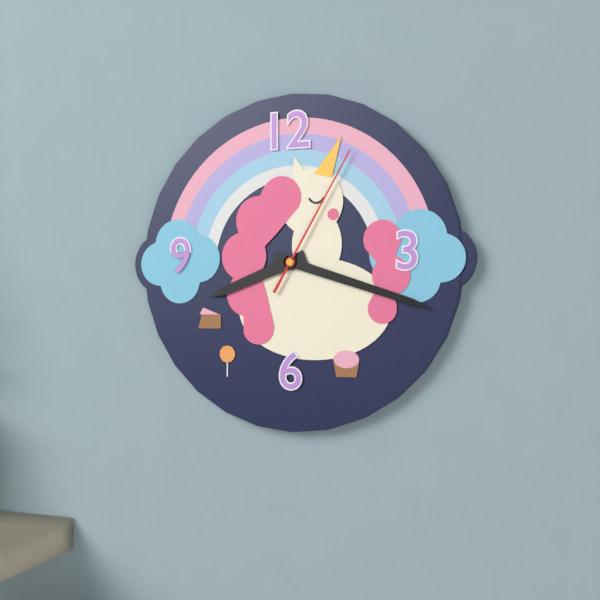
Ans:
**8:18:05**
